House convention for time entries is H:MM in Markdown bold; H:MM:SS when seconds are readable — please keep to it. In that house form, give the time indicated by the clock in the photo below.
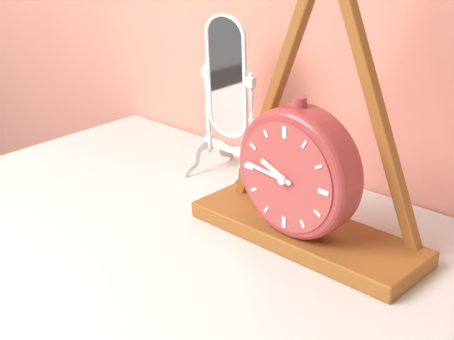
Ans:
**9:46**
